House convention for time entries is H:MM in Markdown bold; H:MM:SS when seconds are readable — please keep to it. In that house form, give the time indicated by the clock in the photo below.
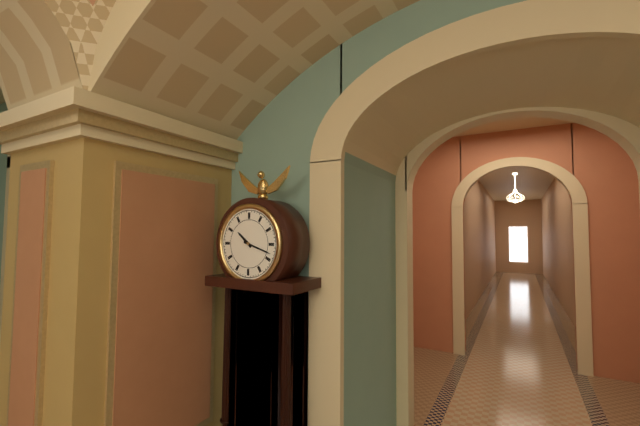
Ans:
**10:18**
